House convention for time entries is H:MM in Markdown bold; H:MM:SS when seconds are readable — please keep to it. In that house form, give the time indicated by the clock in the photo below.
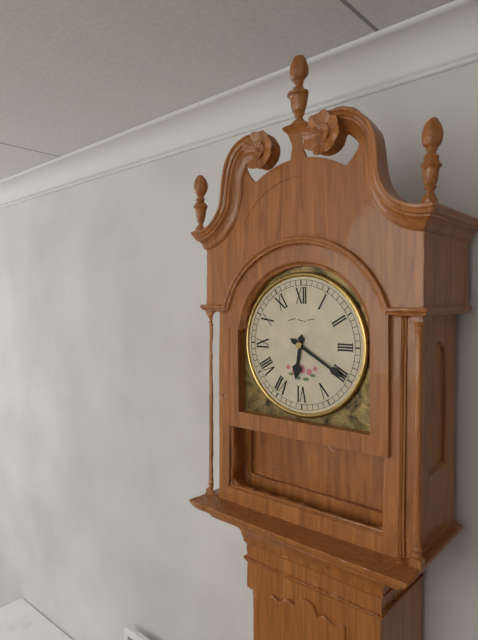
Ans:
**6:20**
